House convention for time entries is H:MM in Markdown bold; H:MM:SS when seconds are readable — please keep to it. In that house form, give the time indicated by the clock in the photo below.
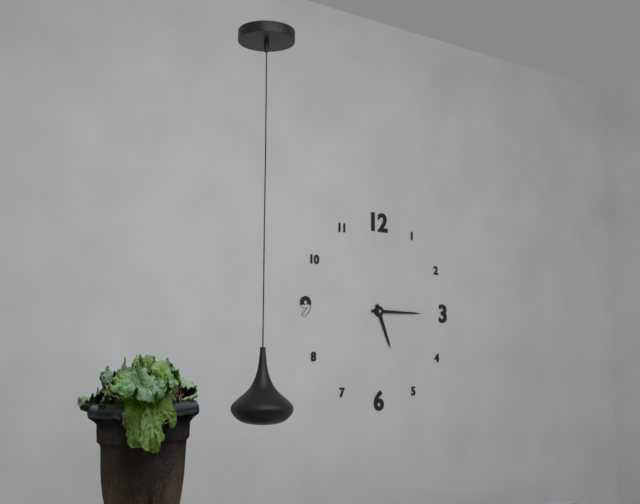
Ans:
**5:15**
